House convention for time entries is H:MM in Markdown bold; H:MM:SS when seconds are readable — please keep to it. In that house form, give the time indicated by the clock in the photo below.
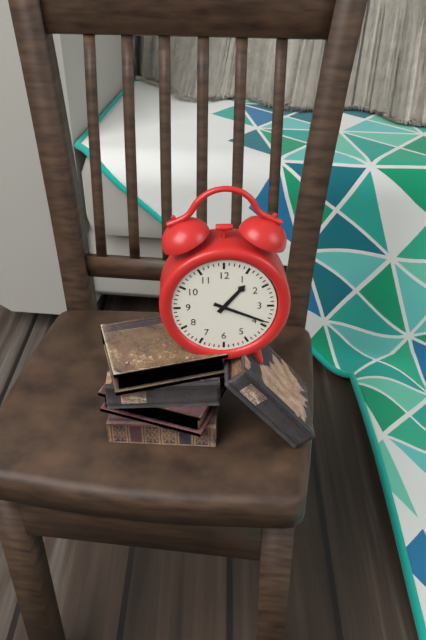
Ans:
**1:19**
